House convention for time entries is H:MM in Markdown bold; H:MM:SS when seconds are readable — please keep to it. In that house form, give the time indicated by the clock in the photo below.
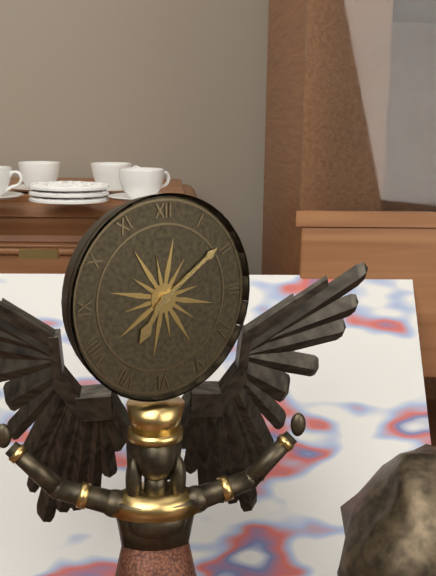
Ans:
**7:09**
